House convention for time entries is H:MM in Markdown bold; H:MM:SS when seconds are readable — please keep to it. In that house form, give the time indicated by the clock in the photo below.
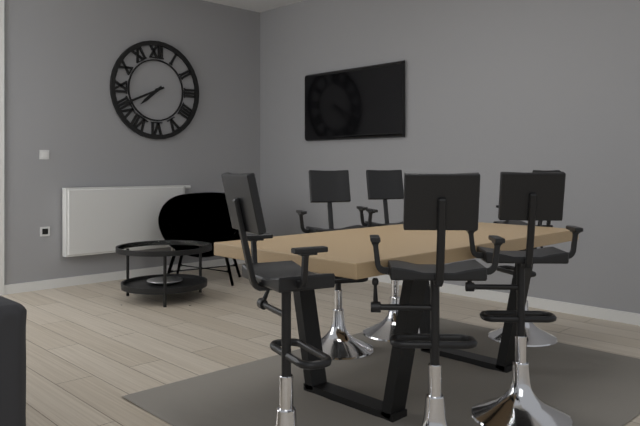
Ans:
**7:41**
